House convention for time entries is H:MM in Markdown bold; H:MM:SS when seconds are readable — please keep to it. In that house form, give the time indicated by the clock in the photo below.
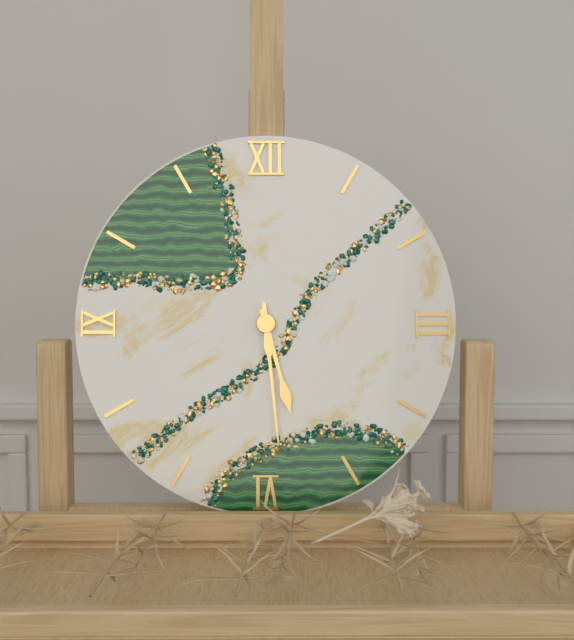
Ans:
**5:29**
